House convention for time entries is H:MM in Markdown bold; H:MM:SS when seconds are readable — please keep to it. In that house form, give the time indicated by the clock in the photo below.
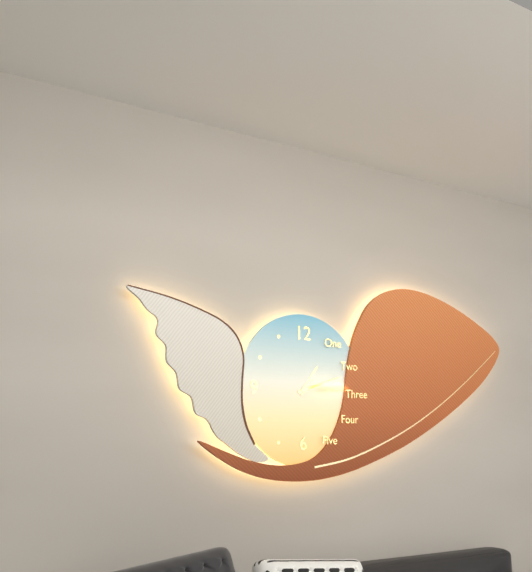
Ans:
**1:12**
